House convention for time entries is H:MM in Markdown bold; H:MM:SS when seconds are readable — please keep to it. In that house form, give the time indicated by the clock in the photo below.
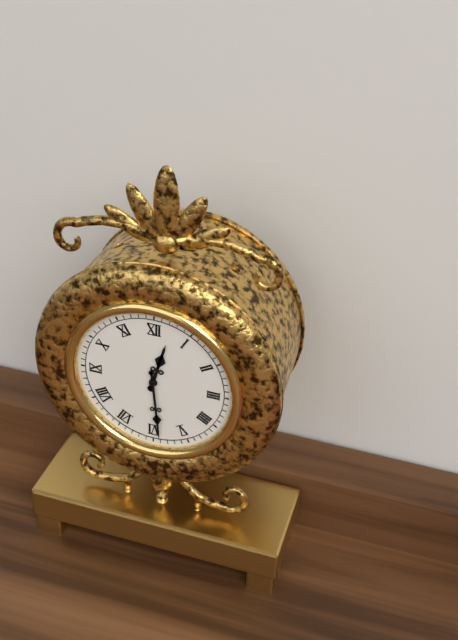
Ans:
**12:29**
